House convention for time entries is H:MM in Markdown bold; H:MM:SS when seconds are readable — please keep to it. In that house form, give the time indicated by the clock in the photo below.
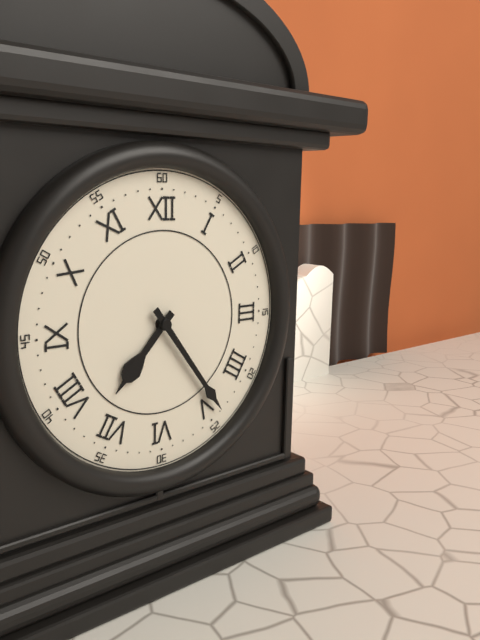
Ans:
**7:24**
